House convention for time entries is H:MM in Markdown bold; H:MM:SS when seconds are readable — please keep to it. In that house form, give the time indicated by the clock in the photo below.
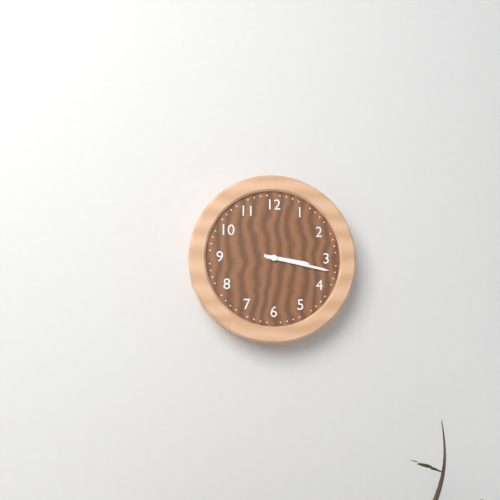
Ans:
**3:17**
